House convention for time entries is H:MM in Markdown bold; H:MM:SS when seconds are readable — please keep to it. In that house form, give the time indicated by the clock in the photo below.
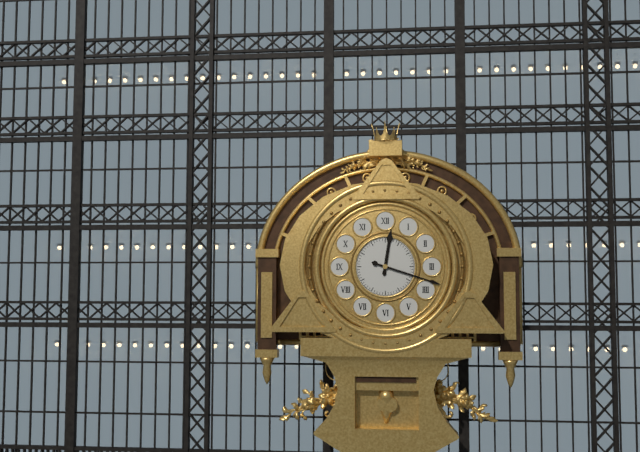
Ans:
**12:18**
